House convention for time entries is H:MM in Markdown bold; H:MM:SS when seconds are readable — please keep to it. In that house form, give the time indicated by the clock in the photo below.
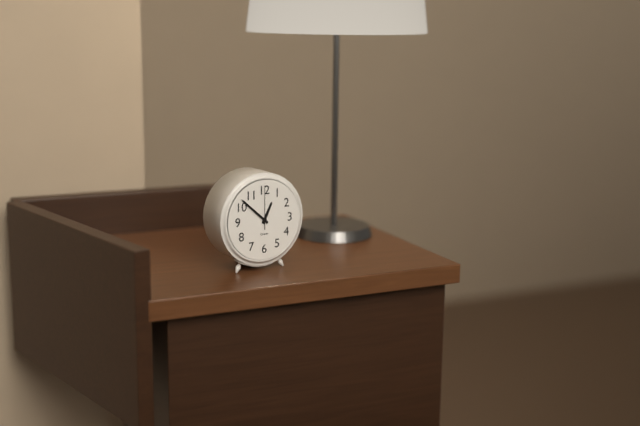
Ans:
**12:52**
